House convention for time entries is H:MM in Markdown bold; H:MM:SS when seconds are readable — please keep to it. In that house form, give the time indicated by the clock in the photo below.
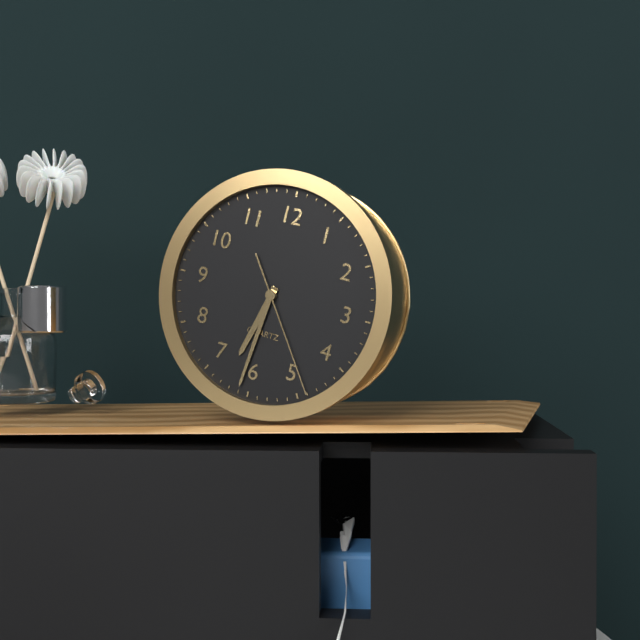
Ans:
**6:31:24**
